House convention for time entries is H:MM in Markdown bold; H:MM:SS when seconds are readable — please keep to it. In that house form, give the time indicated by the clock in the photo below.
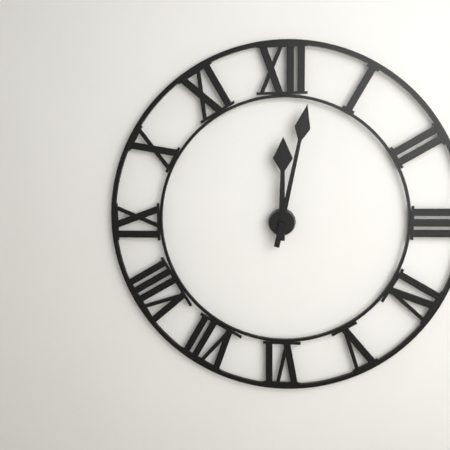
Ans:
**12:02**
